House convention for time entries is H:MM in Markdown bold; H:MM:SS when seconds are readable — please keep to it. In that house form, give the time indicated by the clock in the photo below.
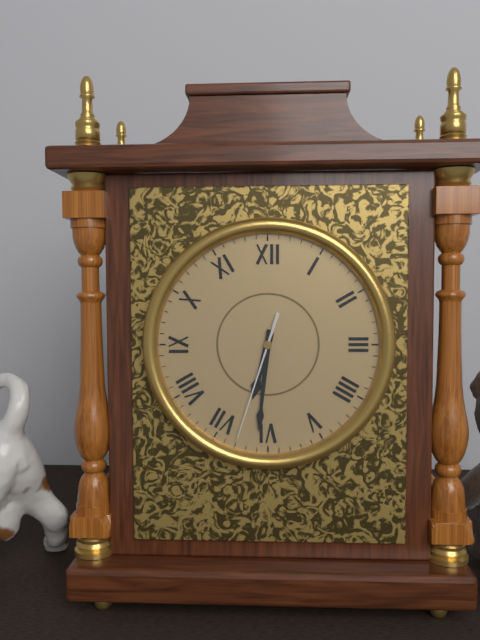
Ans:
**6:31:33**
